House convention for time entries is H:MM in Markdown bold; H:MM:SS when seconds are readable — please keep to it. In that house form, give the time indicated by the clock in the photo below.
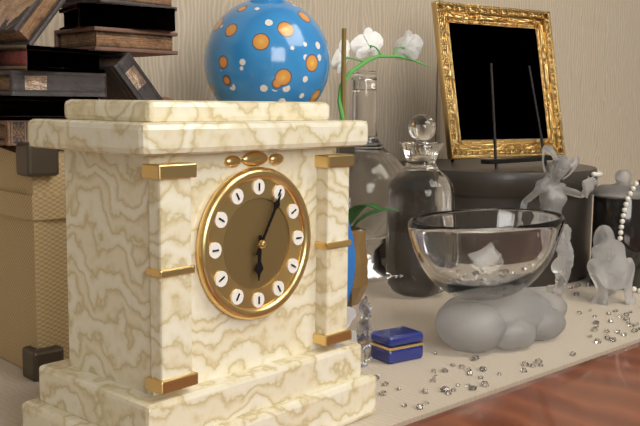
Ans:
**6:05**
